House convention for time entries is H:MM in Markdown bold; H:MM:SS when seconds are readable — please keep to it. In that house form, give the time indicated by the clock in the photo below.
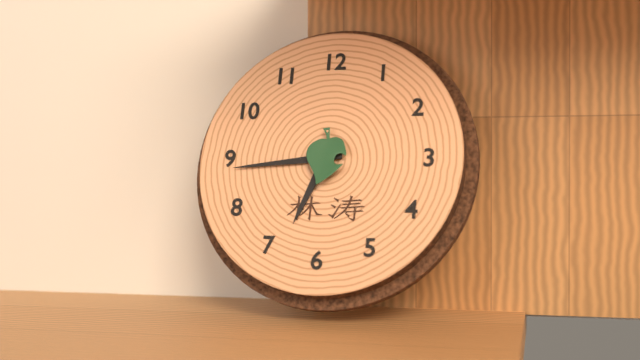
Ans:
**6:44**
